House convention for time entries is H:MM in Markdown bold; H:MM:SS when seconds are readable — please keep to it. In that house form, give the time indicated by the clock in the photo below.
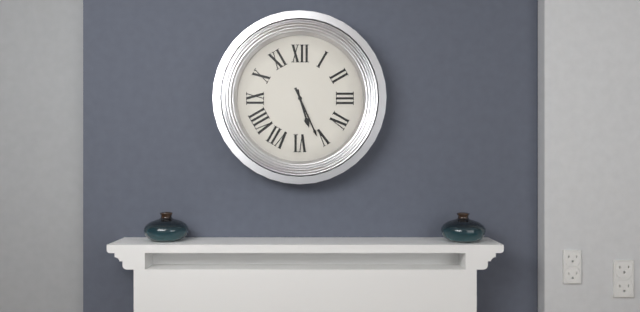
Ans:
**5:26**
